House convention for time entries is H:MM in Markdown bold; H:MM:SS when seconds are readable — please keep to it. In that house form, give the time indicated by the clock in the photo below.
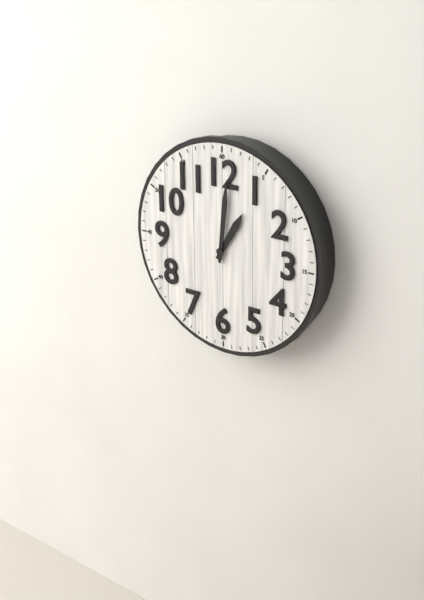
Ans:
**1:01**
